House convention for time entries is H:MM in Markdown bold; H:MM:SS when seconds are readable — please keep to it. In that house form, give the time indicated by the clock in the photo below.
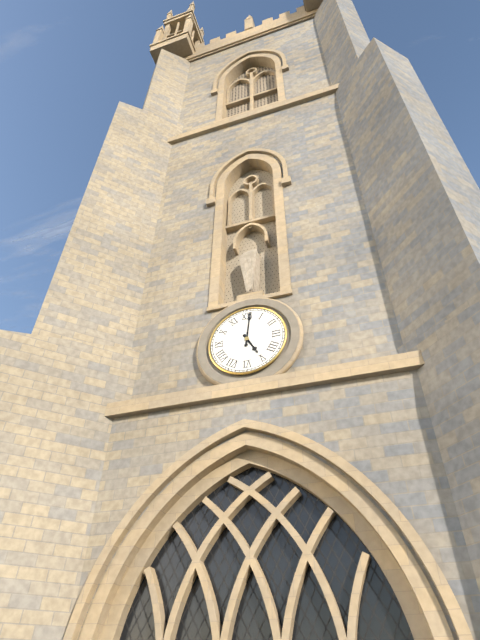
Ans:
**5:01**
